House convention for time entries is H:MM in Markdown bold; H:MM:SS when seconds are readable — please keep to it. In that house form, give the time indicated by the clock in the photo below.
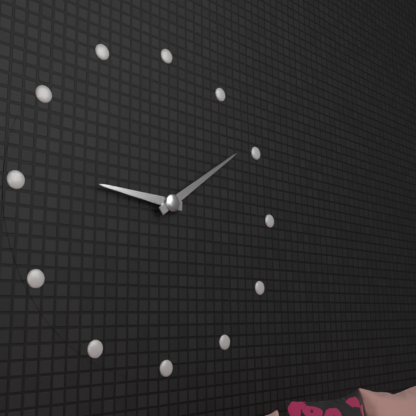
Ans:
**9:09**
